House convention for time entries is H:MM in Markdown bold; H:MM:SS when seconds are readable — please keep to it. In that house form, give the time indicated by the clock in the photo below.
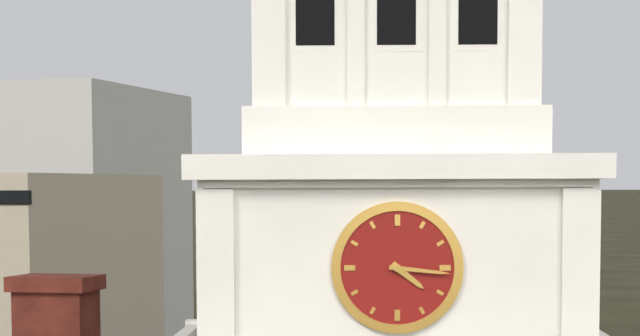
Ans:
**4:16**
